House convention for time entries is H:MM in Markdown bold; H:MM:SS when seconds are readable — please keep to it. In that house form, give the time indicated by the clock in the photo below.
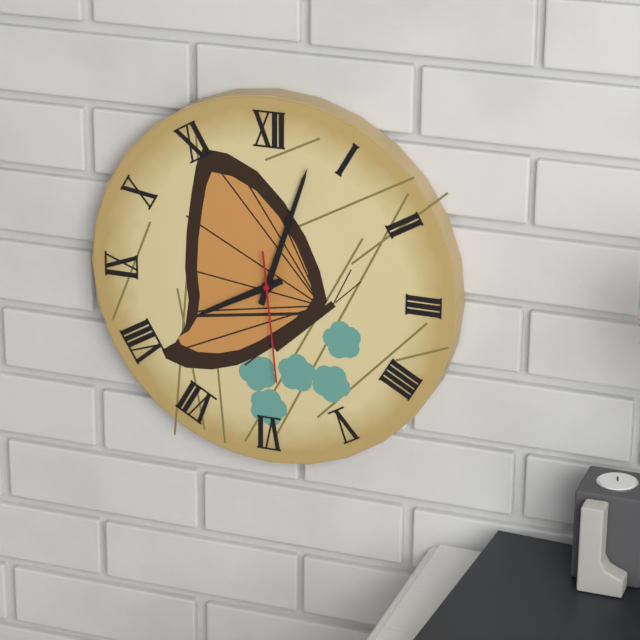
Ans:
**8:03:29**
